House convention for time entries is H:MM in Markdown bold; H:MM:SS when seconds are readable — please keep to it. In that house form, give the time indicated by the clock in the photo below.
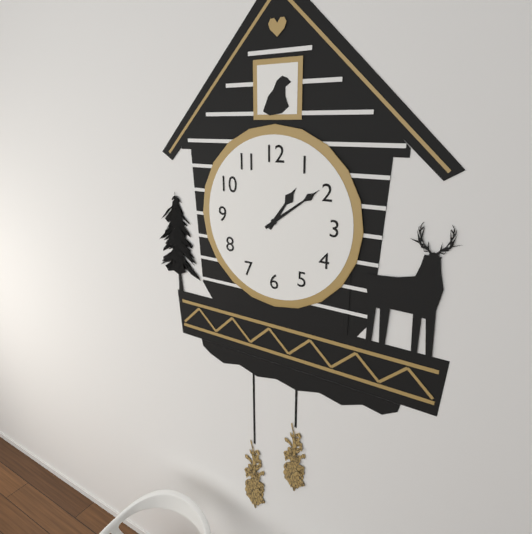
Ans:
**1:09**
